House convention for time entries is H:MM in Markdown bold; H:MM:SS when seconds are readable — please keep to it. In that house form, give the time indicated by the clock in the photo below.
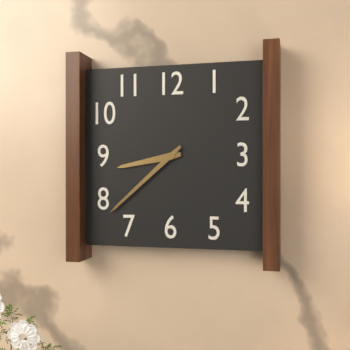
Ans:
**8:38**
